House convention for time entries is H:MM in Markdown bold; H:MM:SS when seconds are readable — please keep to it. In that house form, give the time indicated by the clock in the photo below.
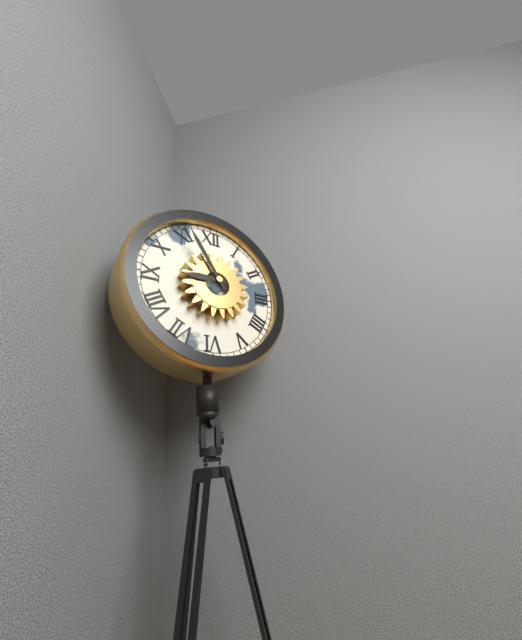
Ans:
**8:55**
